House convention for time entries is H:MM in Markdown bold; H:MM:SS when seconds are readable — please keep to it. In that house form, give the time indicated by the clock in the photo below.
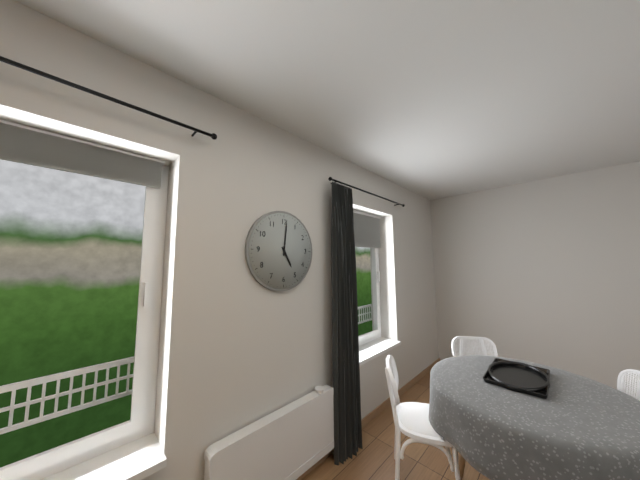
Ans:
**5:01**
